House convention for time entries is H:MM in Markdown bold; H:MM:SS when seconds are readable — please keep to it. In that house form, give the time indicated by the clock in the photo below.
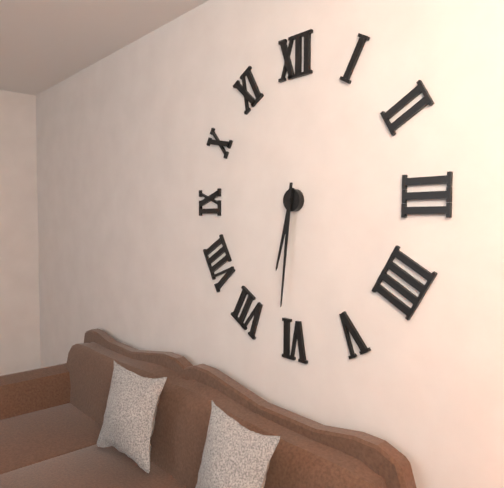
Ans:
**6:31**
